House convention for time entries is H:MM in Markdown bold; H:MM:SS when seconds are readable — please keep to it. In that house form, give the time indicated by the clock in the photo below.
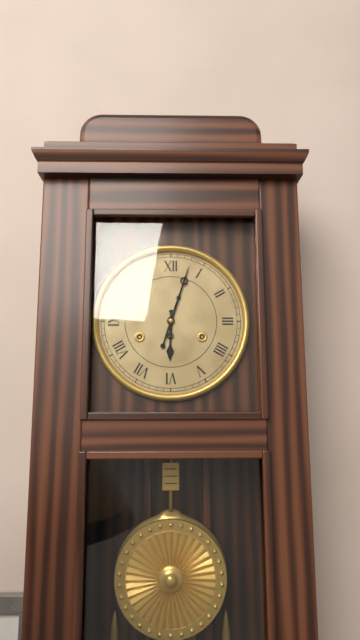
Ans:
**6:03**
